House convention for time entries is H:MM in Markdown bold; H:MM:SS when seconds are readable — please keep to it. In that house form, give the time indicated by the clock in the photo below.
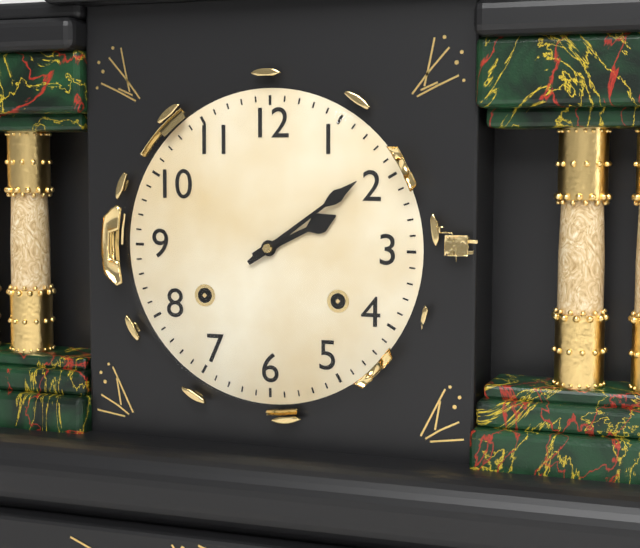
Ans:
**2:09**
